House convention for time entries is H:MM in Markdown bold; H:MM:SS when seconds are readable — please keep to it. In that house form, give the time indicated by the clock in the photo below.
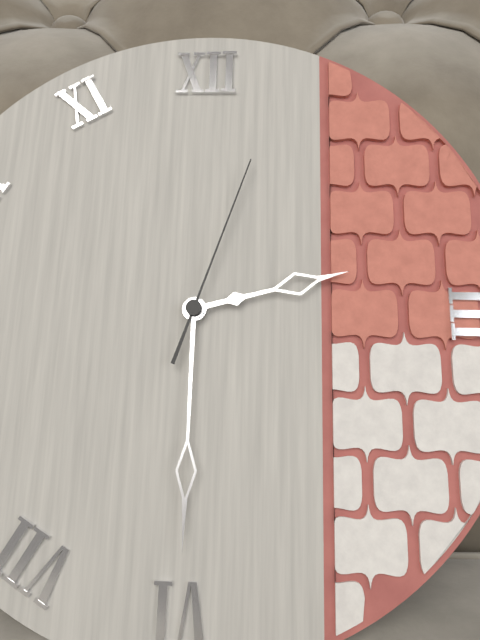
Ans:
**2:30:03**
